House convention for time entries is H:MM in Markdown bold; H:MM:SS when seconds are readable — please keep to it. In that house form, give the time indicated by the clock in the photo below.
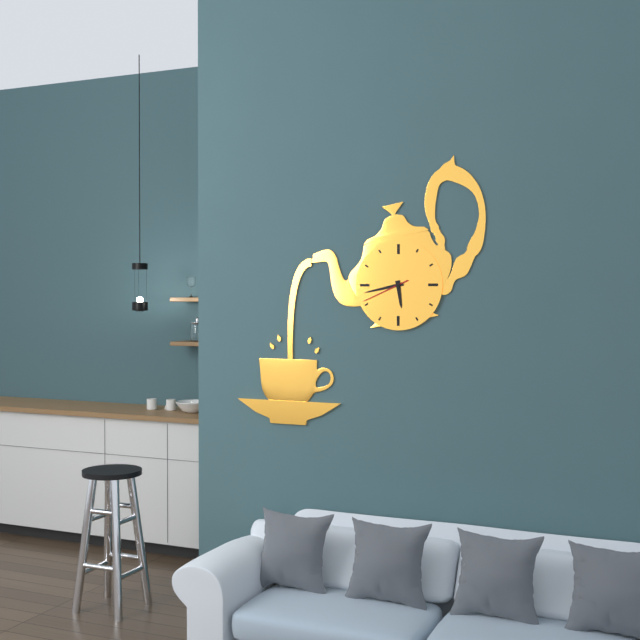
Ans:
**5:43**
